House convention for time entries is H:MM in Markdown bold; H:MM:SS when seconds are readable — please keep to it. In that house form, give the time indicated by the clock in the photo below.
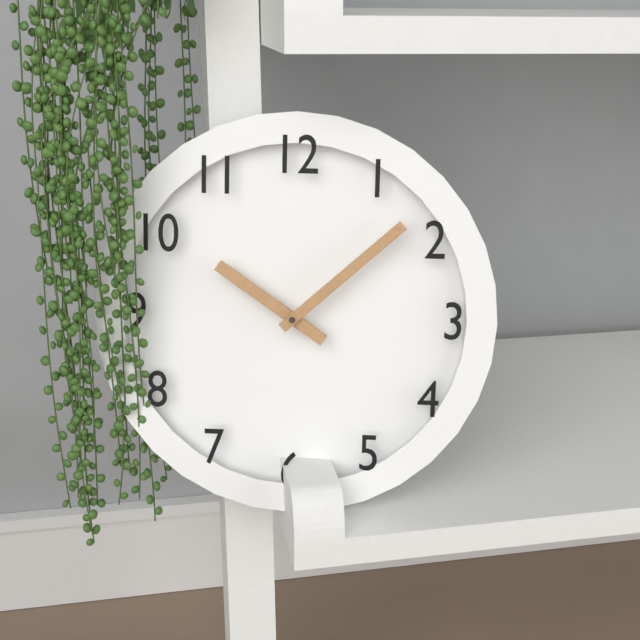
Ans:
**10:08**
